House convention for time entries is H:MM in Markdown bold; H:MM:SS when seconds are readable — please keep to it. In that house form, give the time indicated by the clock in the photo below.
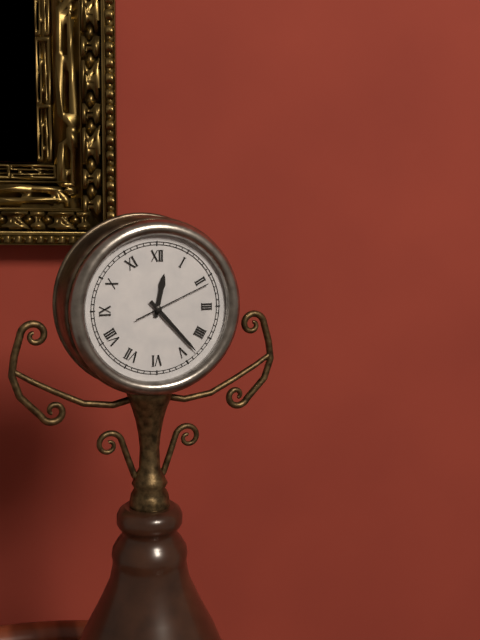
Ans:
**12:23:11**
